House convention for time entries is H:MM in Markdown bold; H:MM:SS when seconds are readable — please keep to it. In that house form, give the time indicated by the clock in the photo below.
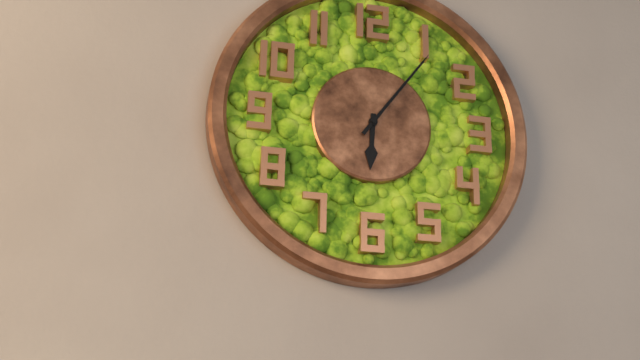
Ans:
**6:06**
